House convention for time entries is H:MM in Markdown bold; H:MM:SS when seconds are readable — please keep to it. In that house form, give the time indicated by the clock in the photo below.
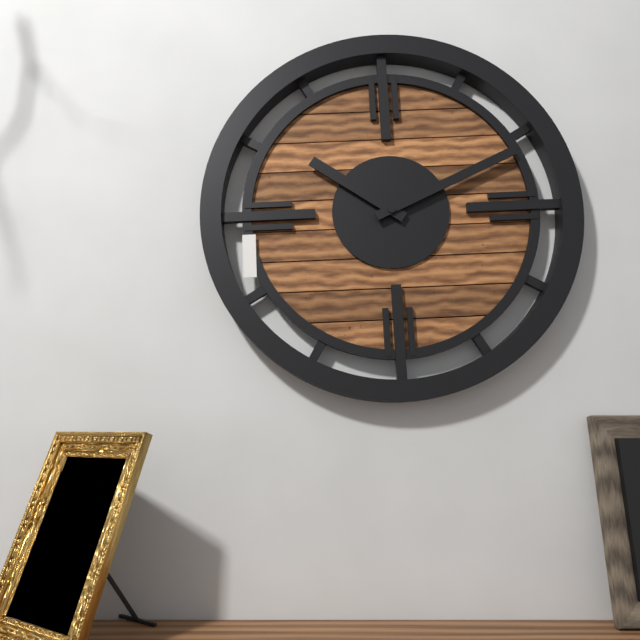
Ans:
**10:11**
